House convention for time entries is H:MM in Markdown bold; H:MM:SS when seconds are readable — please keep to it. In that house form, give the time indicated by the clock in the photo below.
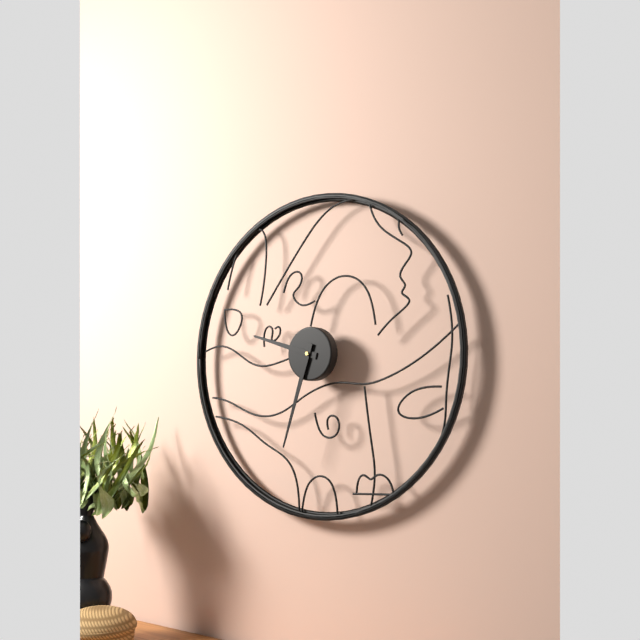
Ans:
**9:33**
